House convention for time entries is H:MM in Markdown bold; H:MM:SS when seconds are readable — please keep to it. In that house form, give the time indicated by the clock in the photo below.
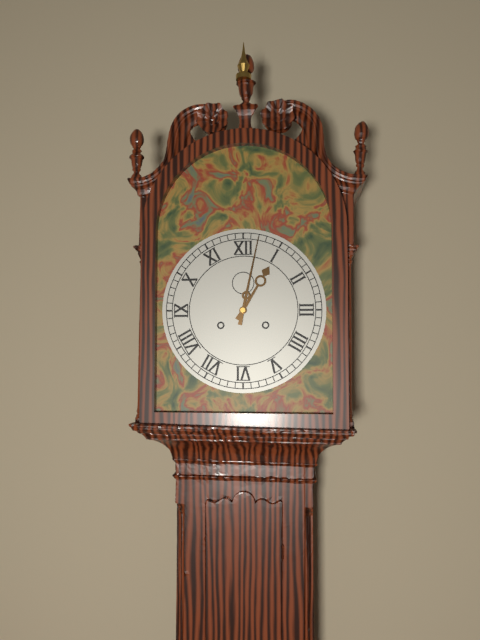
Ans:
**1:02**
